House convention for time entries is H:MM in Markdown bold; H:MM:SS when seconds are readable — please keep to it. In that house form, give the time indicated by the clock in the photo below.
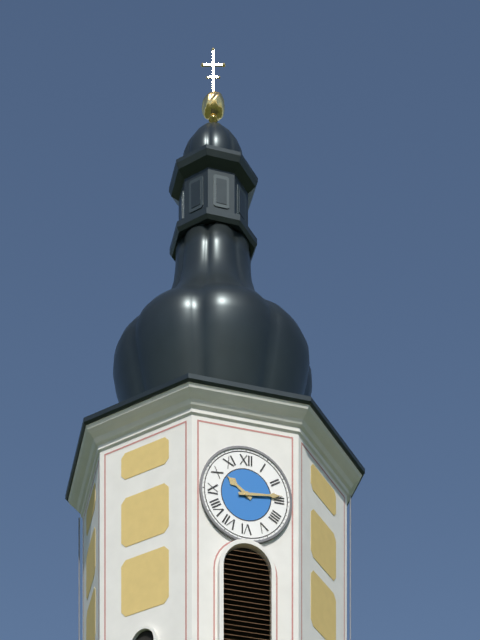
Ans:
**10:14**
